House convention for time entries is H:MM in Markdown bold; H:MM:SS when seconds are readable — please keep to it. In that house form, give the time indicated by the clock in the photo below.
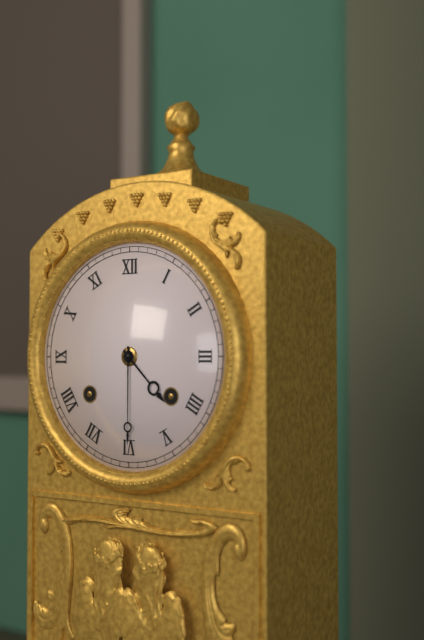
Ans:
**4:30**
